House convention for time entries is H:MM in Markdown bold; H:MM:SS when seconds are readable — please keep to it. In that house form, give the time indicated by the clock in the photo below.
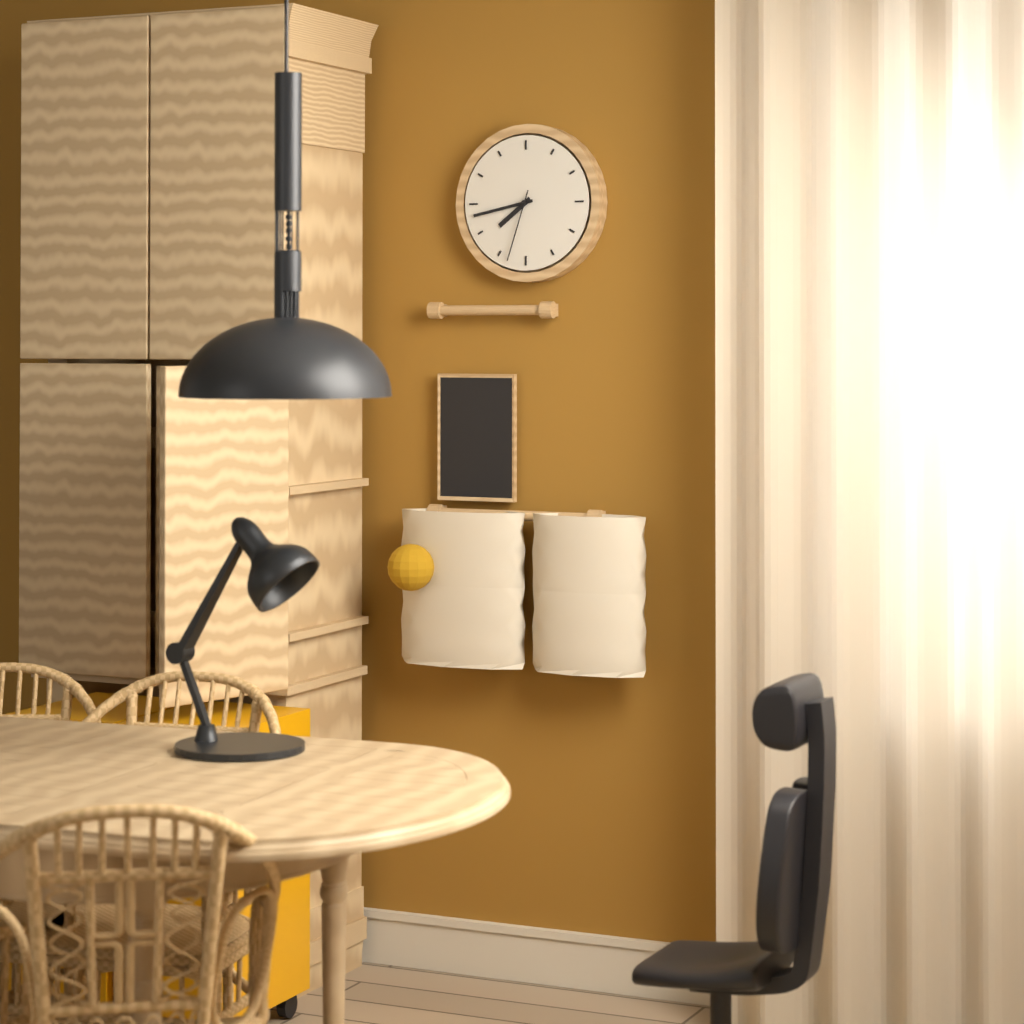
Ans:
**7:43:33**
